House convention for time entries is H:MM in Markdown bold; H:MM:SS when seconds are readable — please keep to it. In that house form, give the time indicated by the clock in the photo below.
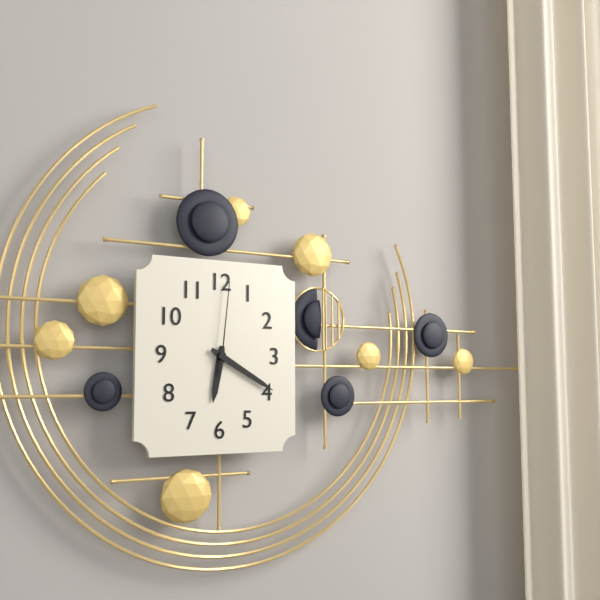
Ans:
**6:20:01**
